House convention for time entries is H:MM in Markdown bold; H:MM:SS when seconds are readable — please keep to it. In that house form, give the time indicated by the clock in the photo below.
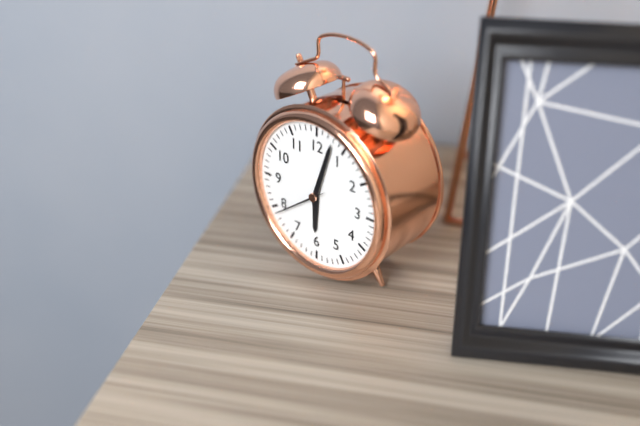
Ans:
**6:03:39**
